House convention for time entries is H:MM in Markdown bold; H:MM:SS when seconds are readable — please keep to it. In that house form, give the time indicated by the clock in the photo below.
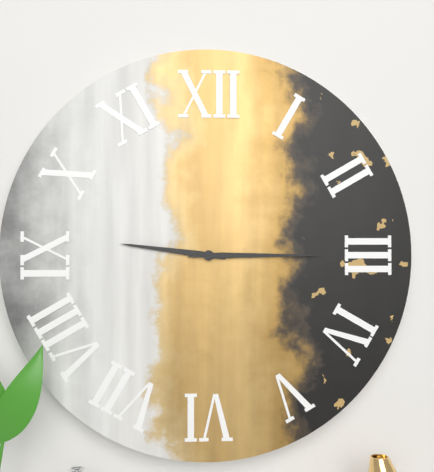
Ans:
**9:15**
